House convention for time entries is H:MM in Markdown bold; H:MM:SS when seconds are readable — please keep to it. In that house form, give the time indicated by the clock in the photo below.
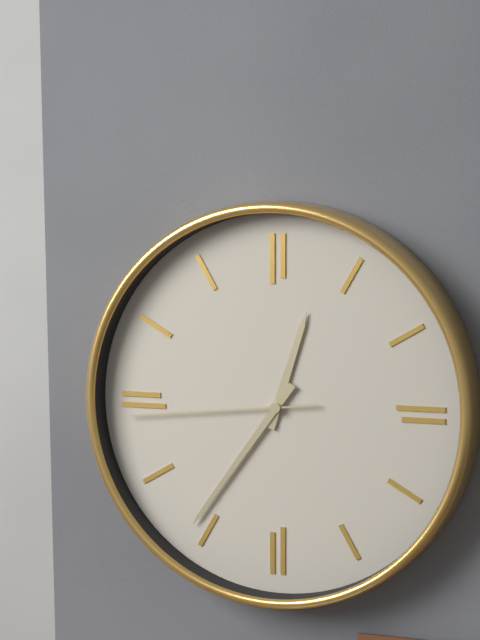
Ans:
**12:36:44**
